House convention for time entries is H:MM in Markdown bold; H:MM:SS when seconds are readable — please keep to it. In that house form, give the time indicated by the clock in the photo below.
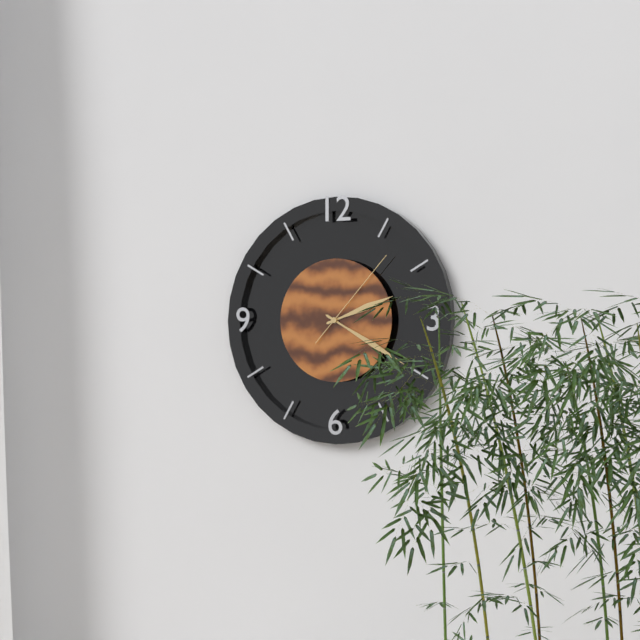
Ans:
**2:20:07**
